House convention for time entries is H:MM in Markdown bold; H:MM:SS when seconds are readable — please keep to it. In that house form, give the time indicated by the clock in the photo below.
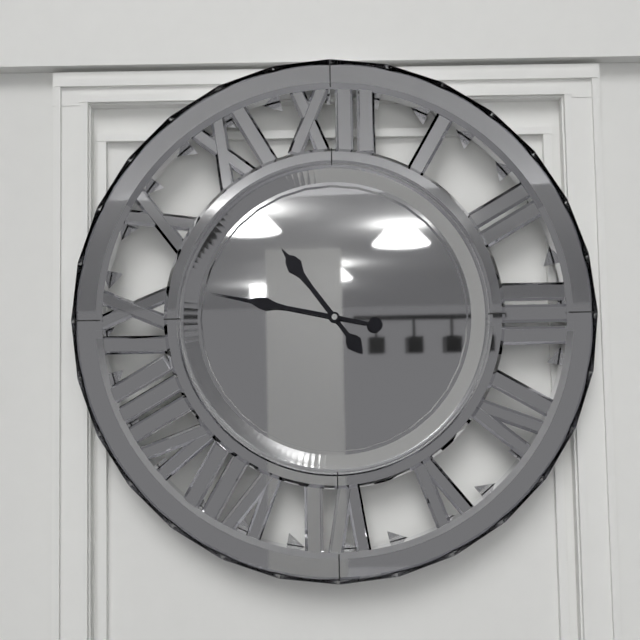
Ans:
**10:47**
